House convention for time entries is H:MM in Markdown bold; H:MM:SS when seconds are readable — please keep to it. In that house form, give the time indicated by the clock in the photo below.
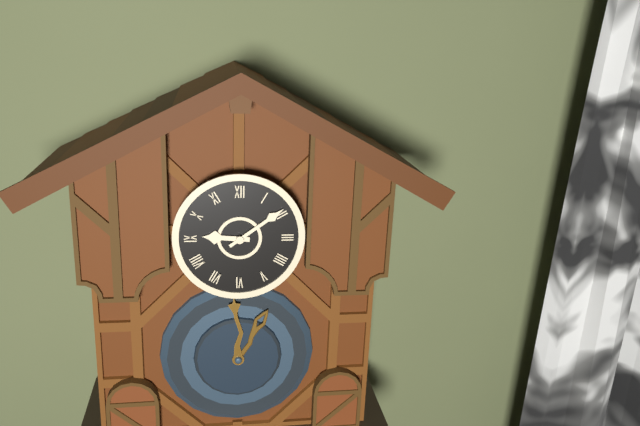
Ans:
**9:09**
